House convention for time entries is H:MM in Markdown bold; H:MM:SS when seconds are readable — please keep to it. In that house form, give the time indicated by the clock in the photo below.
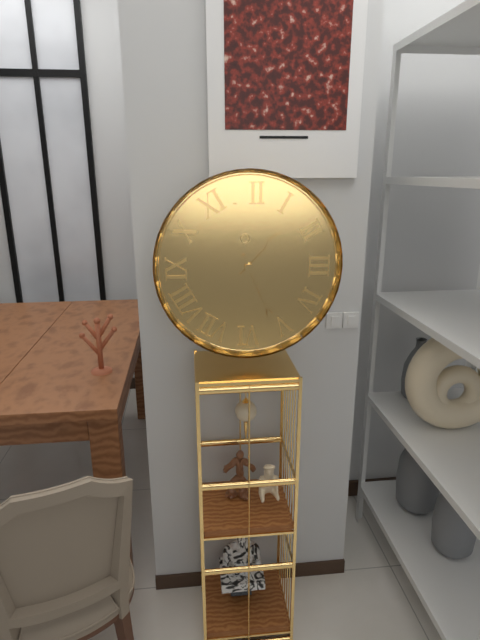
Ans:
**1:26**
